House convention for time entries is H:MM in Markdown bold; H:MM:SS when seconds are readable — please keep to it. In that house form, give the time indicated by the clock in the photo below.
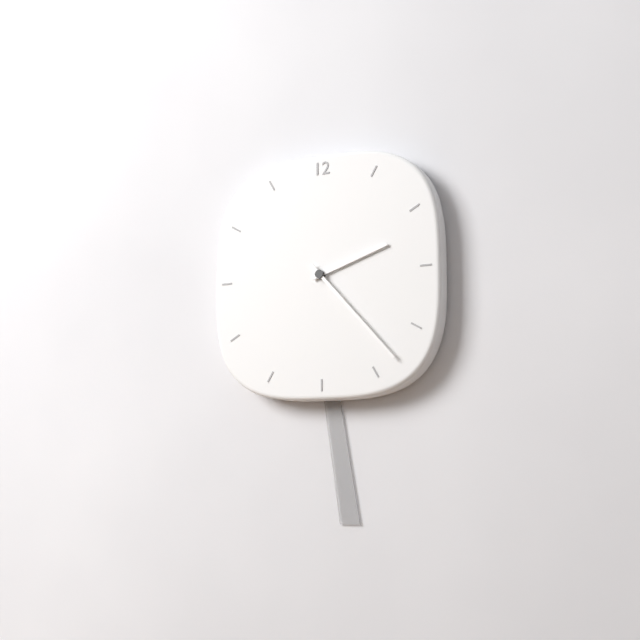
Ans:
**2:23**
